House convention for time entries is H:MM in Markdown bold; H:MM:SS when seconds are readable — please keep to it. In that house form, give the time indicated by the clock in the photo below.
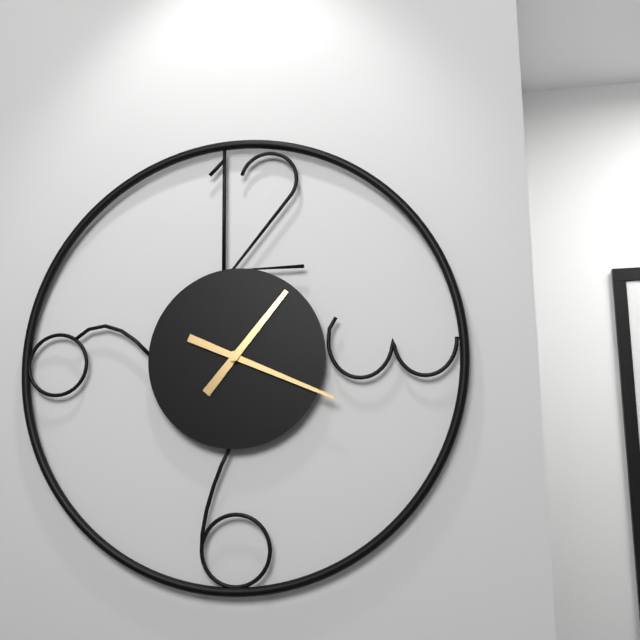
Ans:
**1:19**
